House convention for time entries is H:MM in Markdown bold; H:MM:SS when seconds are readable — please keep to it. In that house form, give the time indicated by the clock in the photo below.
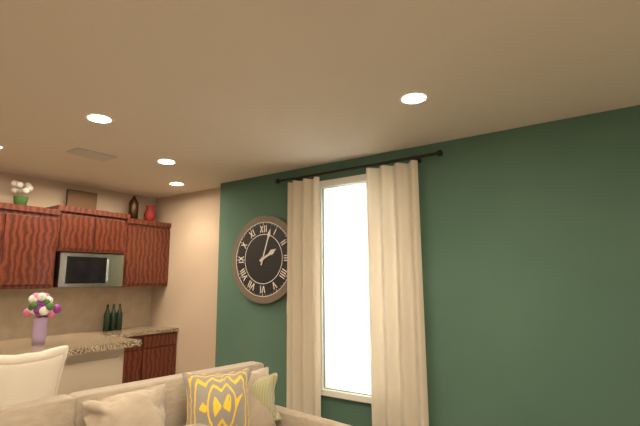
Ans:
**2:03**
